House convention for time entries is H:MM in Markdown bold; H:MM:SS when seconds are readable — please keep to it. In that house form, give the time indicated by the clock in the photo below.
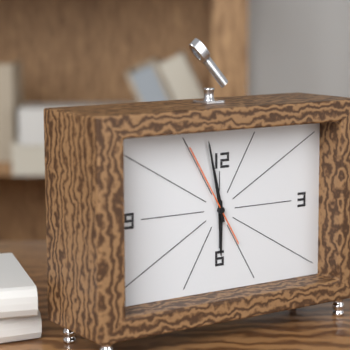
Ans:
**5:58:55**
